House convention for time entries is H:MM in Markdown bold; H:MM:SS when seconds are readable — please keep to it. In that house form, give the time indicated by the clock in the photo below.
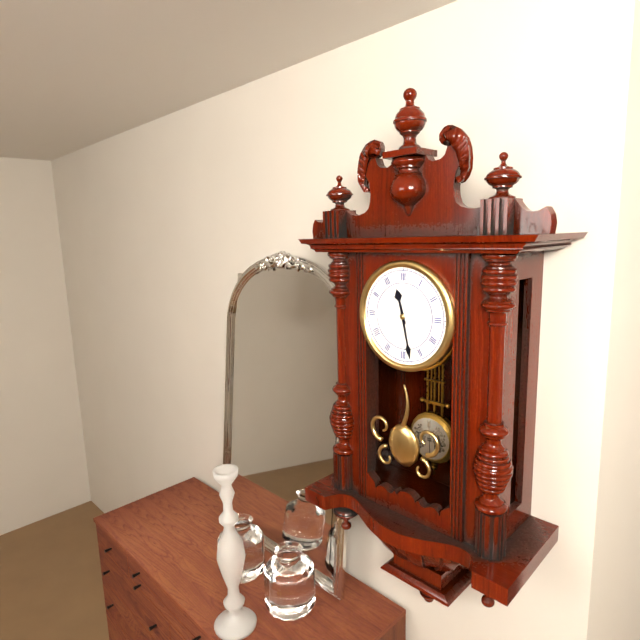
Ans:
**11:28**
